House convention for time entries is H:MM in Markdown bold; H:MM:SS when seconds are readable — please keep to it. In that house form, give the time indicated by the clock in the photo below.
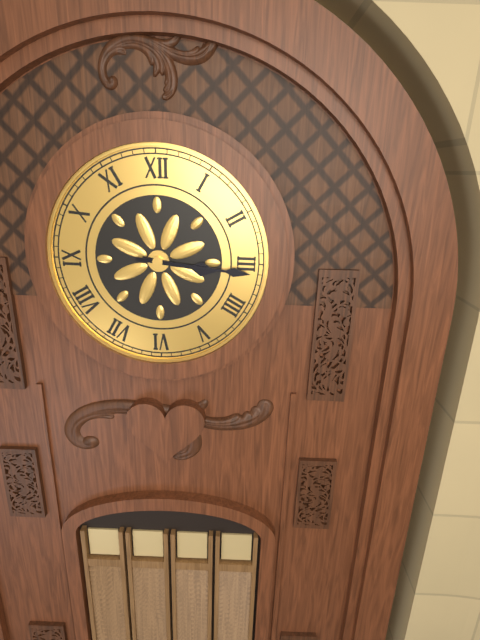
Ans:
**3:16**
